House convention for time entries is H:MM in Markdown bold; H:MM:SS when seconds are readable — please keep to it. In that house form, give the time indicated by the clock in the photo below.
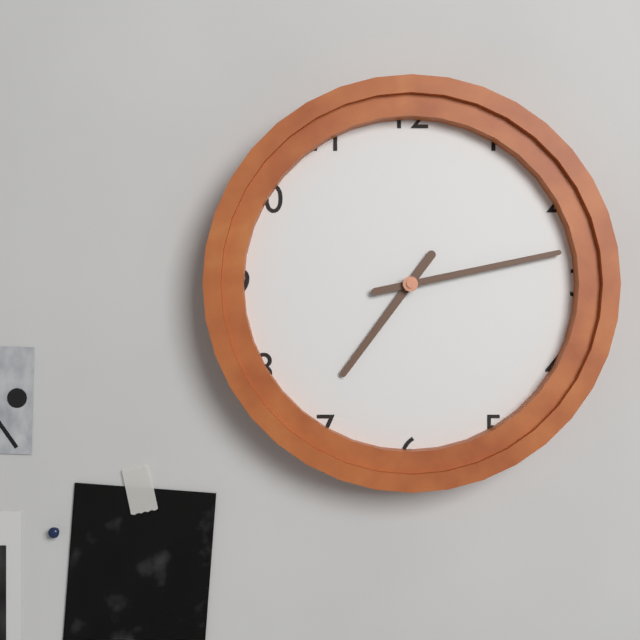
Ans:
**7:13**
